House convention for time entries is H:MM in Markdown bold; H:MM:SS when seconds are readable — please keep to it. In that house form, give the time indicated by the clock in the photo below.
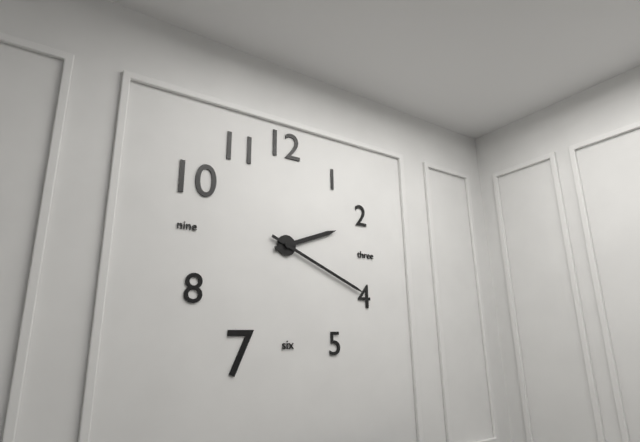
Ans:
**2:19**
